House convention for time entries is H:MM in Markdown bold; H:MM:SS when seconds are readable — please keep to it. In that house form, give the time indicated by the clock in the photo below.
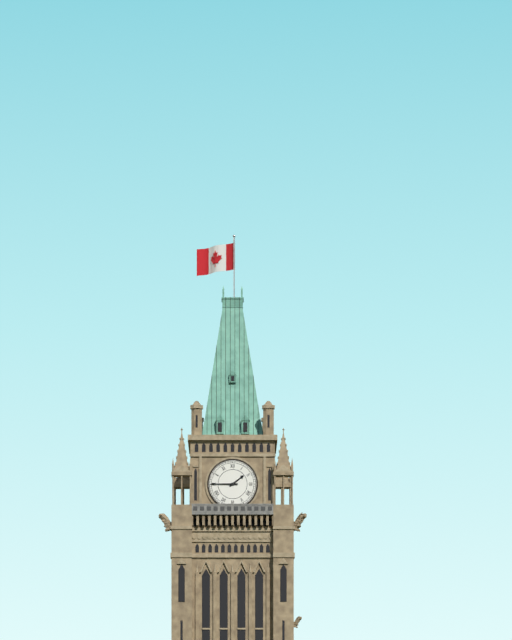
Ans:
**1:45**
